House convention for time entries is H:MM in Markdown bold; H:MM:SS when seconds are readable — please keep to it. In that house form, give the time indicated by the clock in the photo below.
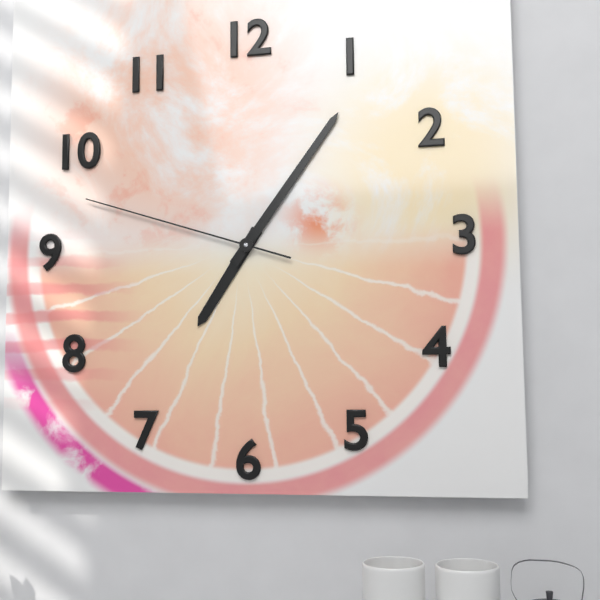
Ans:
**7:06:48**
